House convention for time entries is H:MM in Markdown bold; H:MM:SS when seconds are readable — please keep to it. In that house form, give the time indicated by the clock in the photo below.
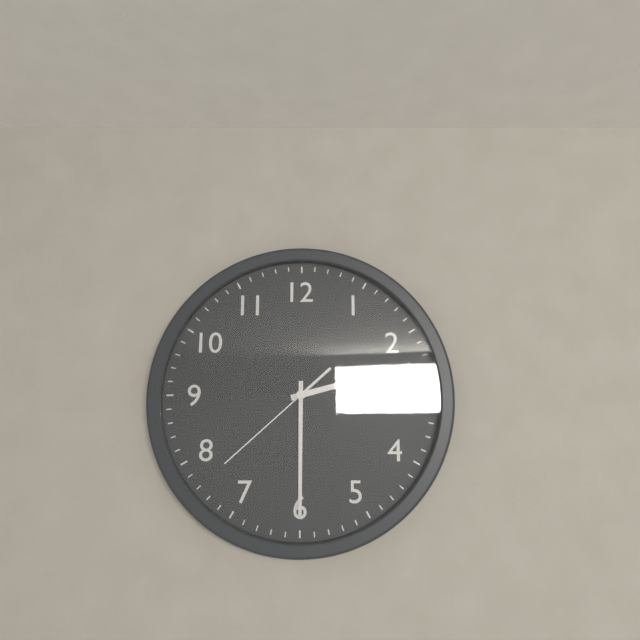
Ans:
**2:30:38**
